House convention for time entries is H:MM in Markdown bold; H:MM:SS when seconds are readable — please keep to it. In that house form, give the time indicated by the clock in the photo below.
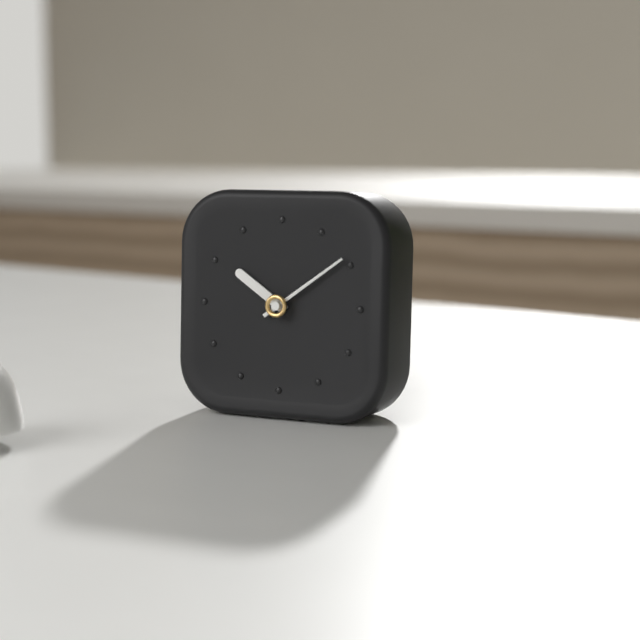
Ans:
**10:09**
